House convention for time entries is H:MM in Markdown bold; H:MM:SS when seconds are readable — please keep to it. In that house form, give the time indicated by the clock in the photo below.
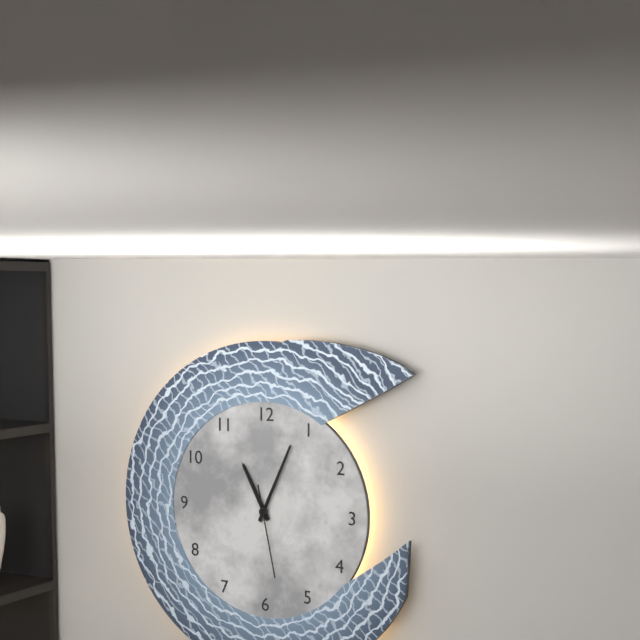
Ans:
**11:04:28**
